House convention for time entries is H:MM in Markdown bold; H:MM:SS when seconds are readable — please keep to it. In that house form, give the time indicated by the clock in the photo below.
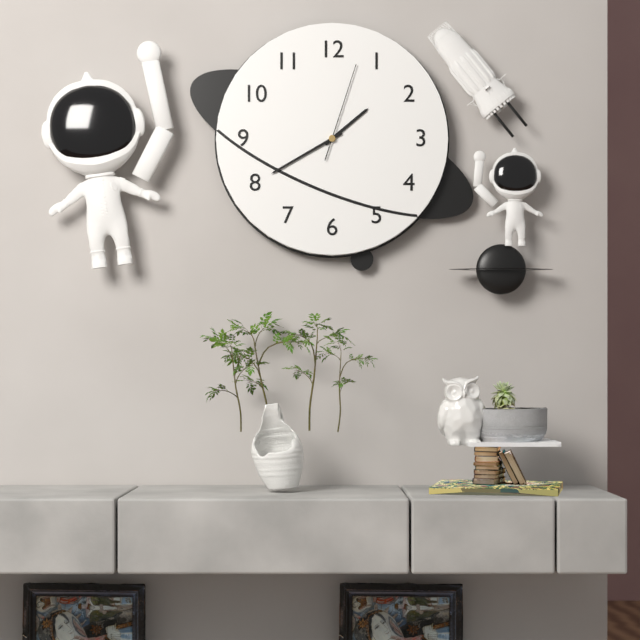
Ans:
**1:40:03**
